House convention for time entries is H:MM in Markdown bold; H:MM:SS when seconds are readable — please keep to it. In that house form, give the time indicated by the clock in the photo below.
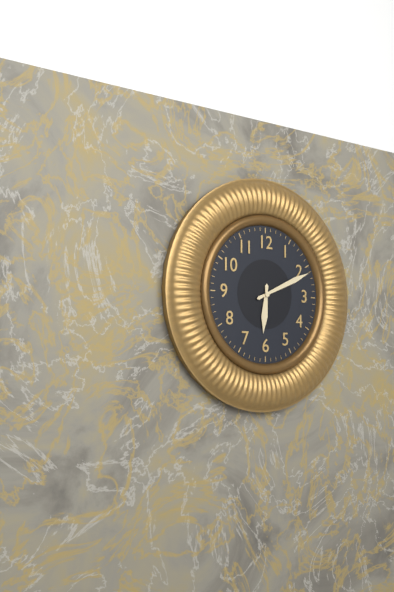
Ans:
**6:11**
